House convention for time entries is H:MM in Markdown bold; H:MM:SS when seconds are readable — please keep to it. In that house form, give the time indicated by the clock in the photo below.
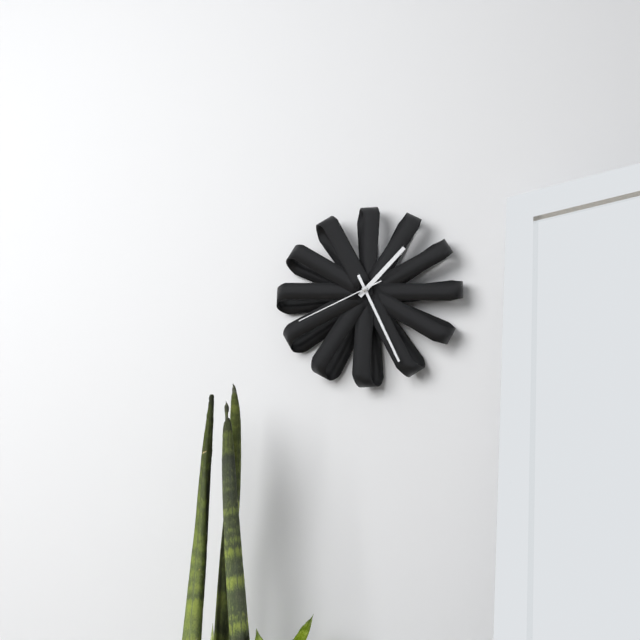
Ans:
**1:26:41**
